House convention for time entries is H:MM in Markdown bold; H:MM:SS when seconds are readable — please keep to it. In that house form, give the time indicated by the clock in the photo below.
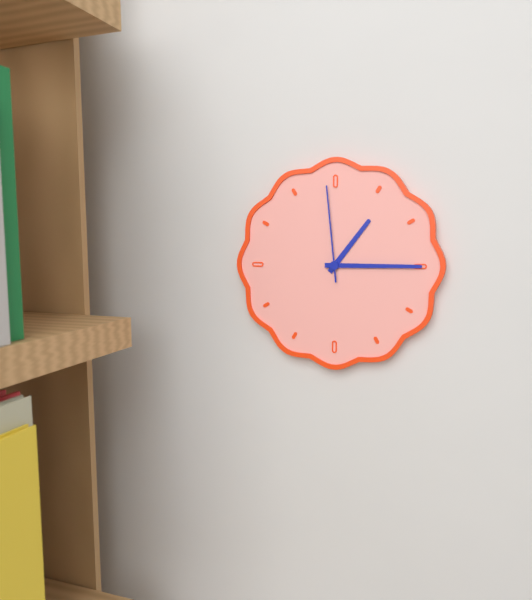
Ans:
**1:15:59**
